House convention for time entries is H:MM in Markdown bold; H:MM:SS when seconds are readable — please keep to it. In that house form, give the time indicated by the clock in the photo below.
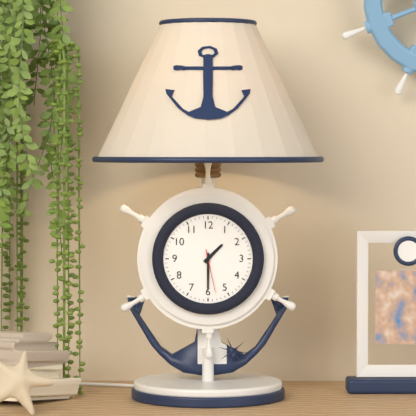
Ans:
**1:30**
